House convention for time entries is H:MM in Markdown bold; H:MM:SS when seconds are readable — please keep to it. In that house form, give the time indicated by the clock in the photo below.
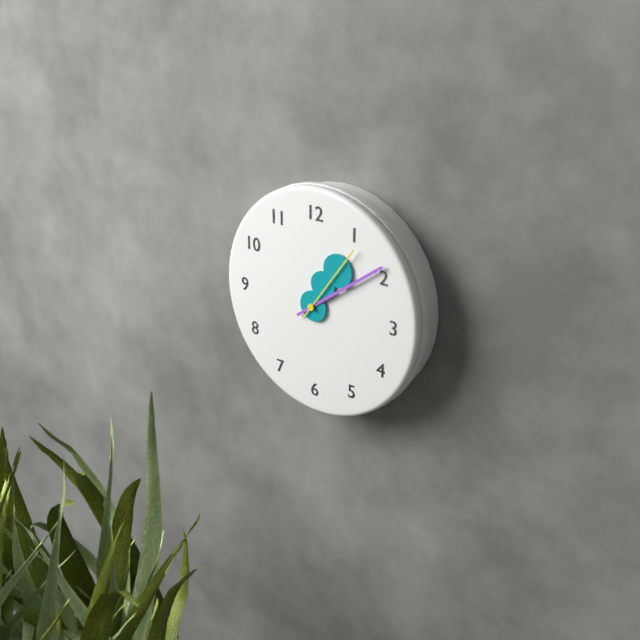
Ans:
**1:09:06**
